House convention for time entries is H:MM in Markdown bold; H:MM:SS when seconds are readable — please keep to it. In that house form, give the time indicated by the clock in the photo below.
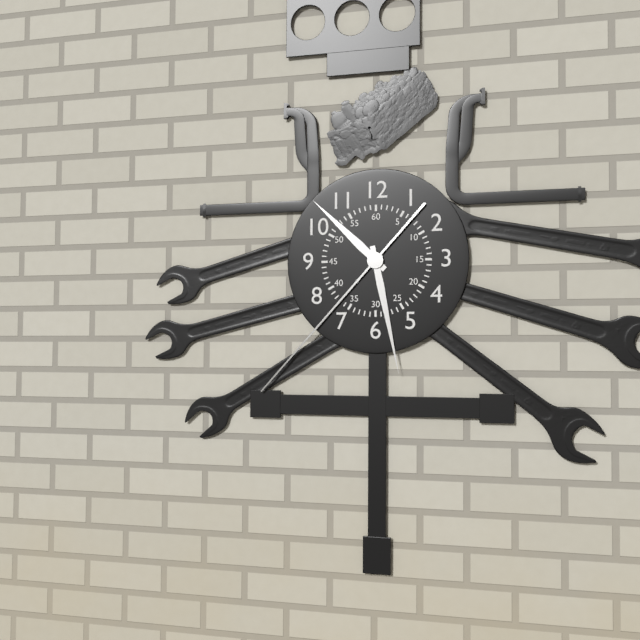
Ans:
**10:28:37**
